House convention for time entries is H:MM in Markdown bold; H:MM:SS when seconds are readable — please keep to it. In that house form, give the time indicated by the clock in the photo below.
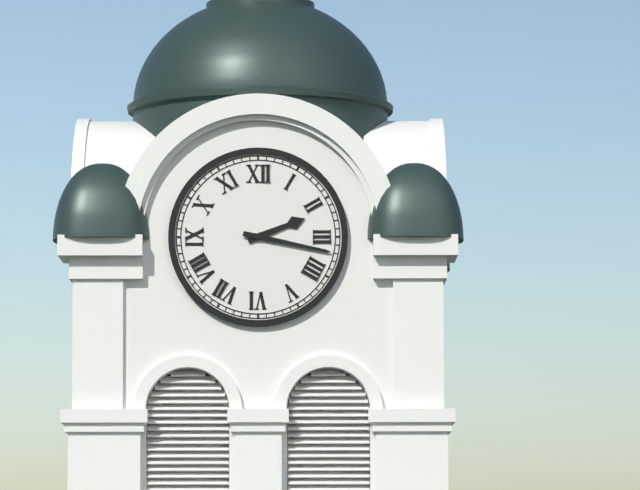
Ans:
**2:17**
